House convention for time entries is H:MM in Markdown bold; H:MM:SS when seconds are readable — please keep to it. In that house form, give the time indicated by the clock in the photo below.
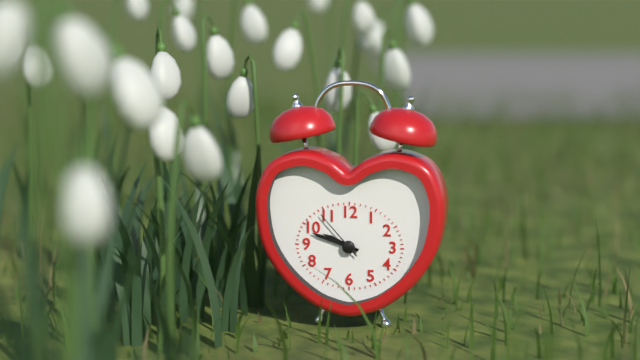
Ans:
**9:48:53**
